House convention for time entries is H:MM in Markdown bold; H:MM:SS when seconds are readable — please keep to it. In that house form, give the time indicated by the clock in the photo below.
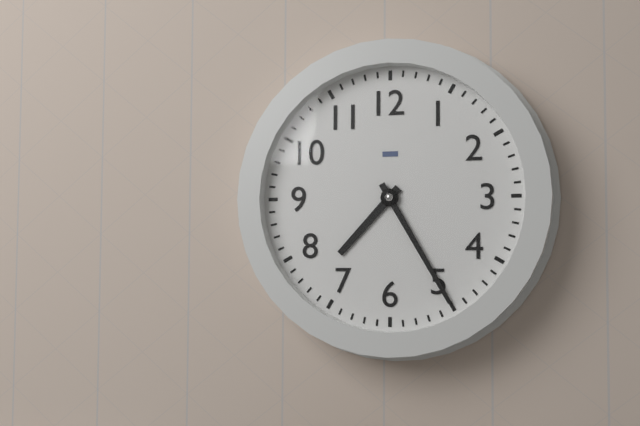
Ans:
**7:25**
